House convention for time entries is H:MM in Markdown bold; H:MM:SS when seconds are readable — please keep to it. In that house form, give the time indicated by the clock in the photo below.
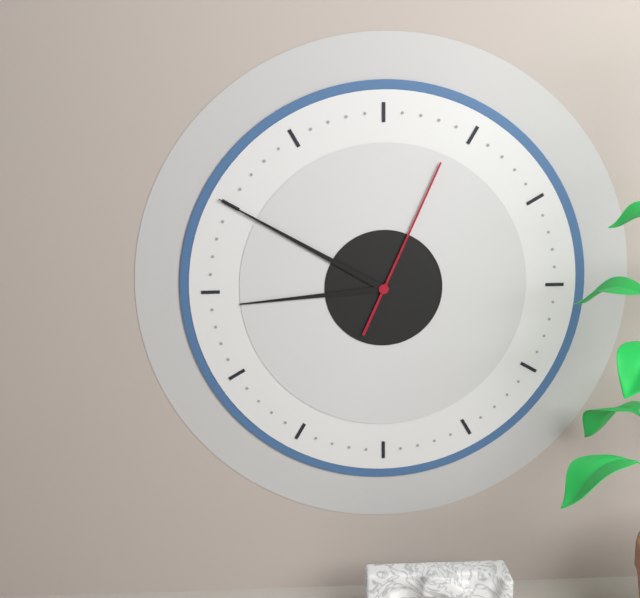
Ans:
**8:50:04**
